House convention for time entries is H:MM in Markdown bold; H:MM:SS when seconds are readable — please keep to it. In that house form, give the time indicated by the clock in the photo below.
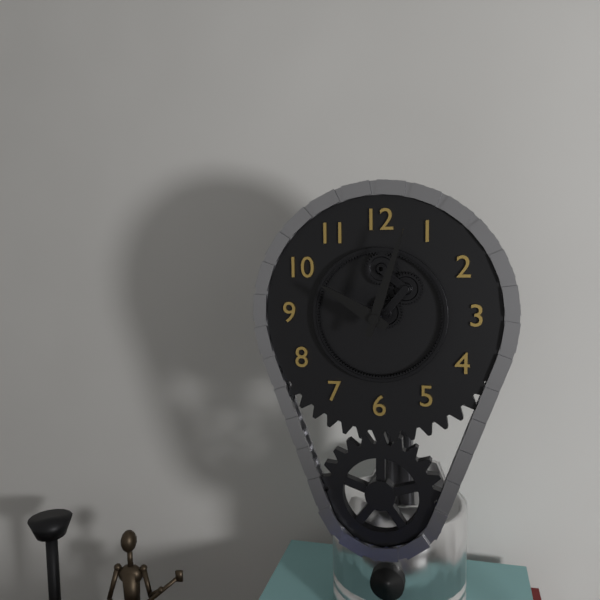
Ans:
**10:03**
